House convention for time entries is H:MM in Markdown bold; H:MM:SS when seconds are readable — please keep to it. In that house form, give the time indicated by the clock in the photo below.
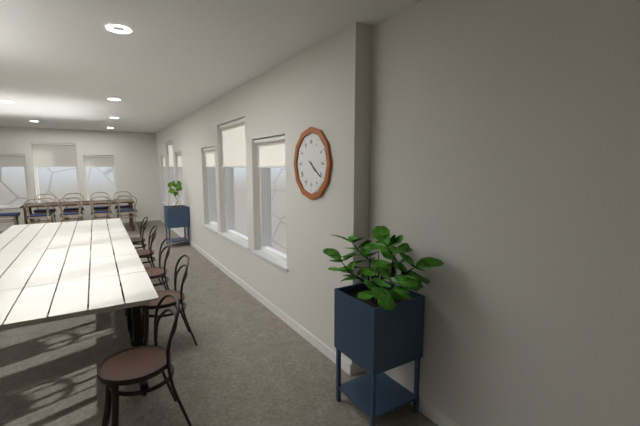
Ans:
**4:21**
